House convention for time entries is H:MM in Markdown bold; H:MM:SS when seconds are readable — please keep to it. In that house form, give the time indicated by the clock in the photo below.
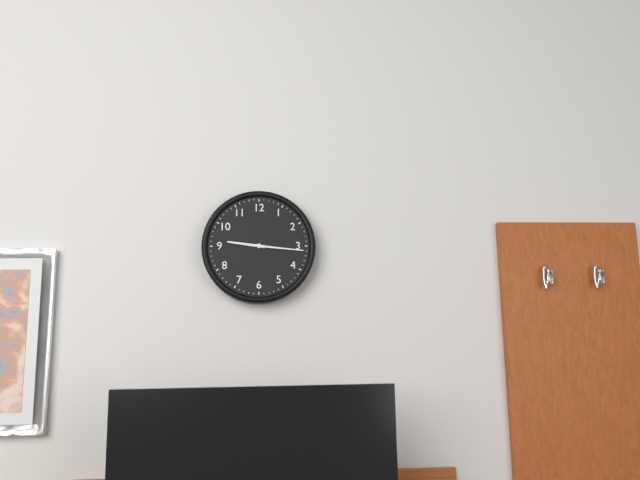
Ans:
**9:16**
